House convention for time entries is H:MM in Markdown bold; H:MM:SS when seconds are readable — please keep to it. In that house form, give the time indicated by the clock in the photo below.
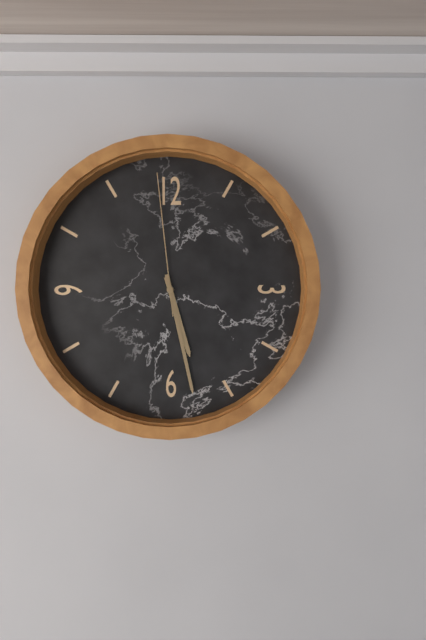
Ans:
**5:28:59**
